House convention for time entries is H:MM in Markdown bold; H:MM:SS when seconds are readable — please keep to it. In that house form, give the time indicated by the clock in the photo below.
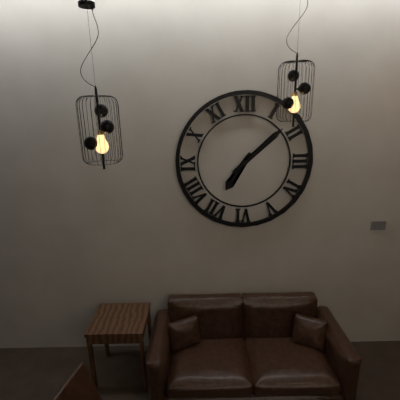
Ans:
**7:08**
